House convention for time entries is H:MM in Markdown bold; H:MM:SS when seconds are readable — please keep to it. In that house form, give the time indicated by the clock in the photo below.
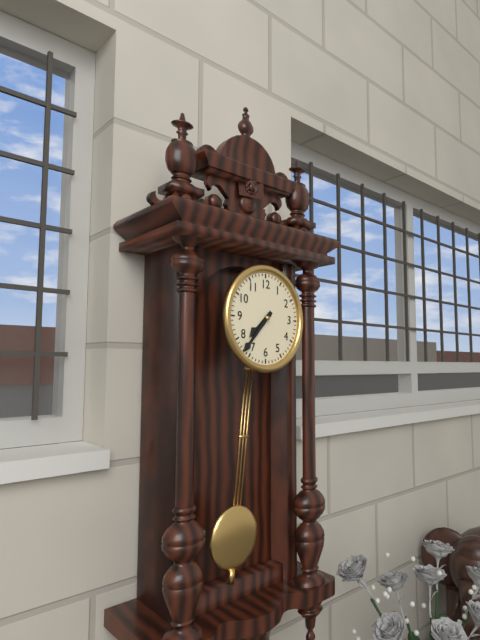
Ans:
**7:37**
